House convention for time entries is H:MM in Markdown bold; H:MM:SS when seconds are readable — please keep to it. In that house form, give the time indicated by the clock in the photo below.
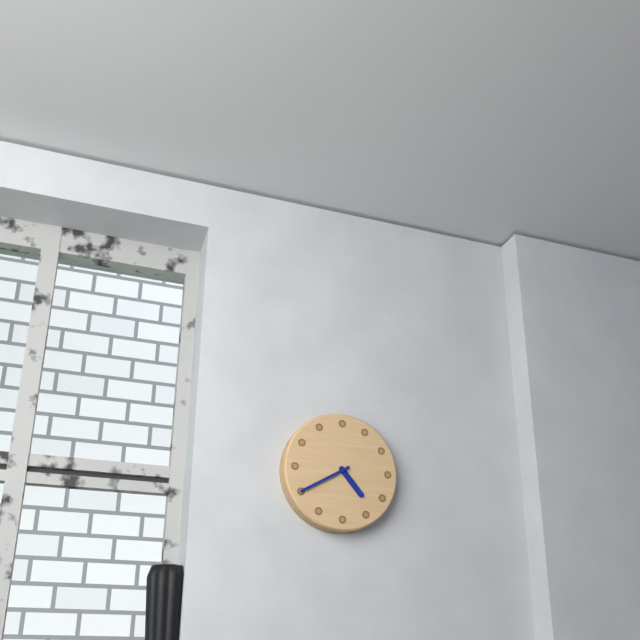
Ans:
**4:40**
